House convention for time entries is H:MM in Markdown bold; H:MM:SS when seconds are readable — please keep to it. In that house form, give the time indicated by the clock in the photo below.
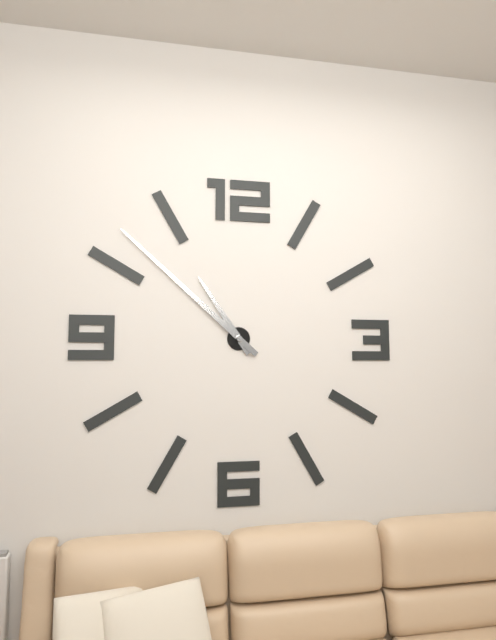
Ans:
**10:52**
